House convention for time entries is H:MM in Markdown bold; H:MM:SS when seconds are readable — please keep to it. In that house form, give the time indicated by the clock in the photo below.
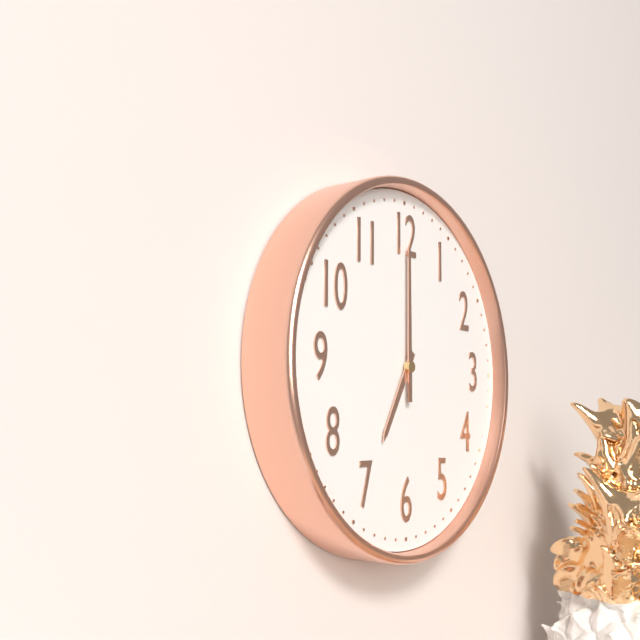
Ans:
**7:00**
